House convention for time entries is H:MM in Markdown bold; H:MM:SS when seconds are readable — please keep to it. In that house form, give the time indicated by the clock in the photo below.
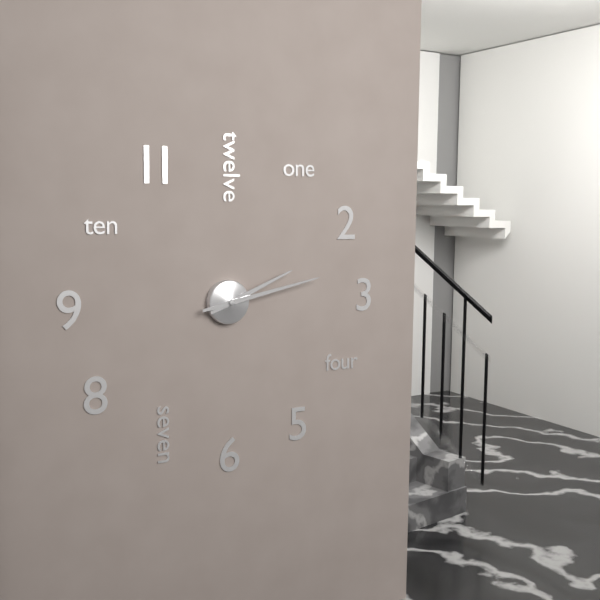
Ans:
**2:13**
